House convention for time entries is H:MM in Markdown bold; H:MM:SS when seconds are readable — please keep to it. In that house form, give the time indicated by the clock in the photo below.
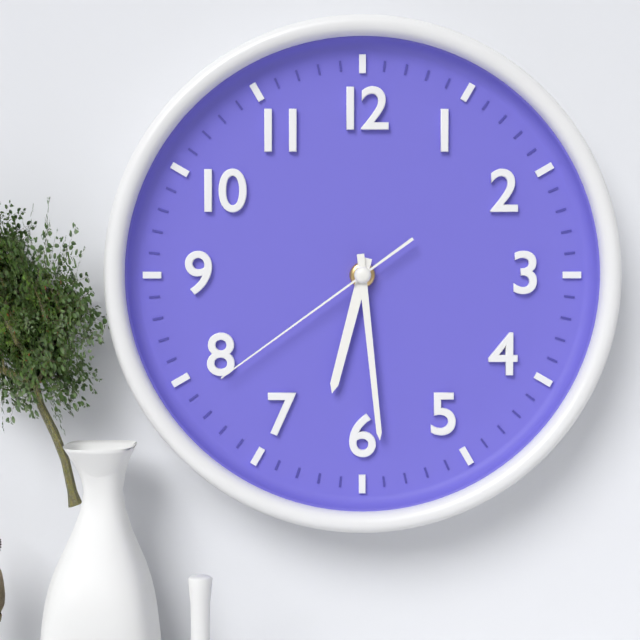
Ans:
**6:29:39**
